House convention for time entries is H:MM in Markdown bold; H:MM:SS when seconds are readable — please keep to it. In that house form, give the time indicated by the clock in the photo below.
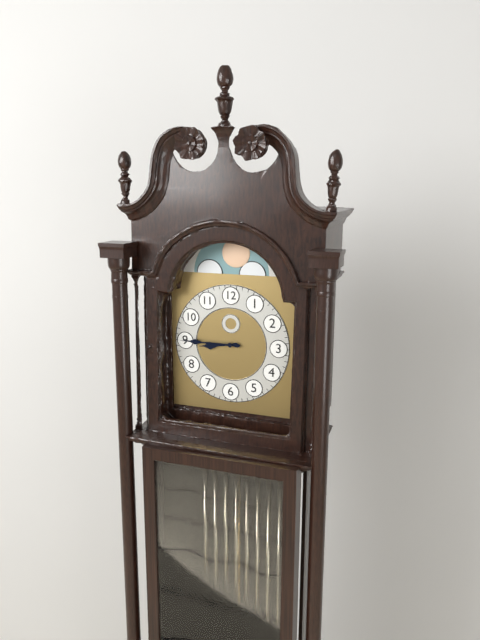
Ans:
**8:45**
